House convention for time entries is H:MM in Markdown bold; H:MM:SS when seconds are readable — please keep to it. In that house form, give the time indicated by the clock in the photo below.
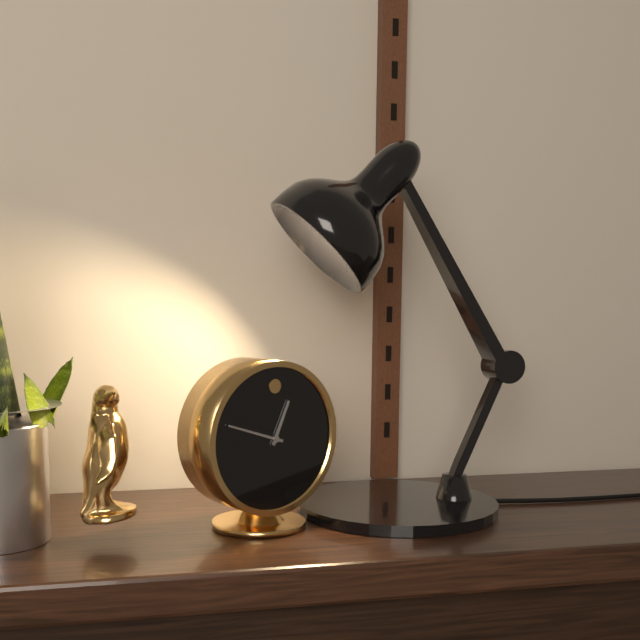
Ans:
**12:48**
